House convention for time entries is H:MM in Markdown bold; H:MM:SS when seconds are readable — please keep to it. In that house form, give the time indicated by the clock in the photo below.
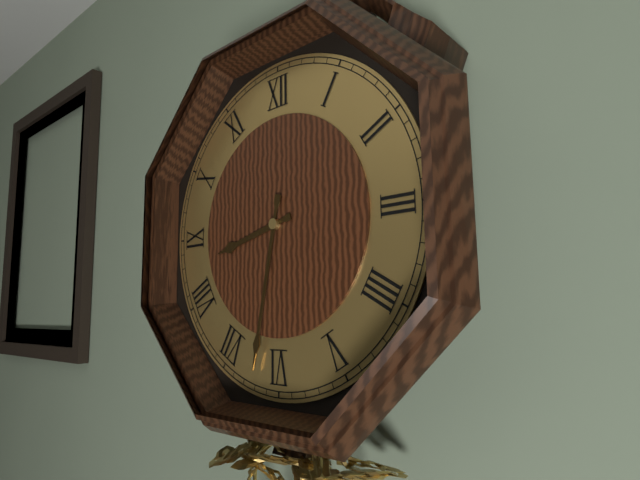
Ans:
**8:32**
